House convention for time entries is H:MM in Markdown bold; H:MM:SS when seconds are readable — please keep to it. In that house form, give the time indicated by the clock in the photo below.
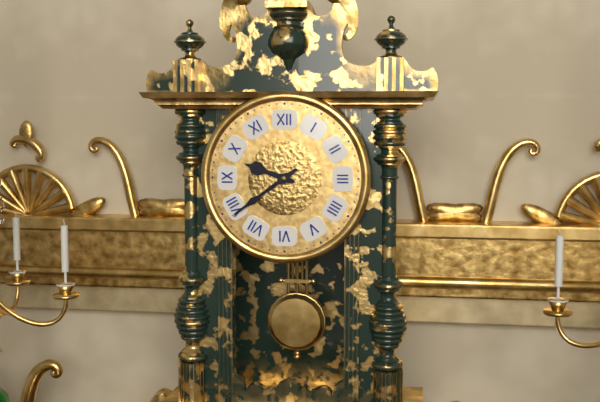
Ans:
**9:39**
